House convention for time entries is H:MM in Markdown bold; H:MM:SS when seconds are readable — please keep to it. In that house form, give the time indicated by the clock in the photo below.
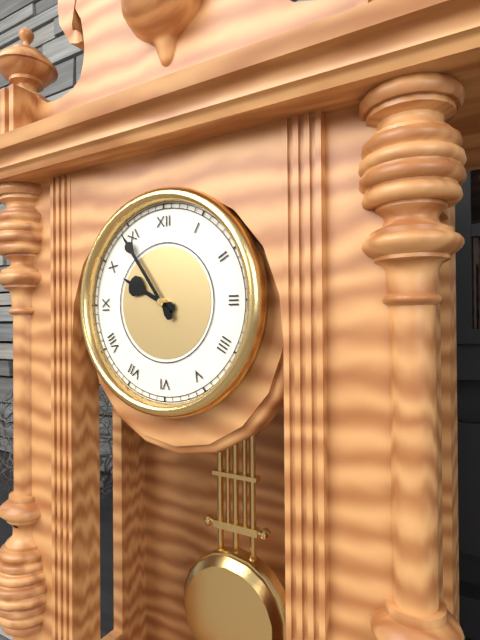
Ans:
**9:54**
